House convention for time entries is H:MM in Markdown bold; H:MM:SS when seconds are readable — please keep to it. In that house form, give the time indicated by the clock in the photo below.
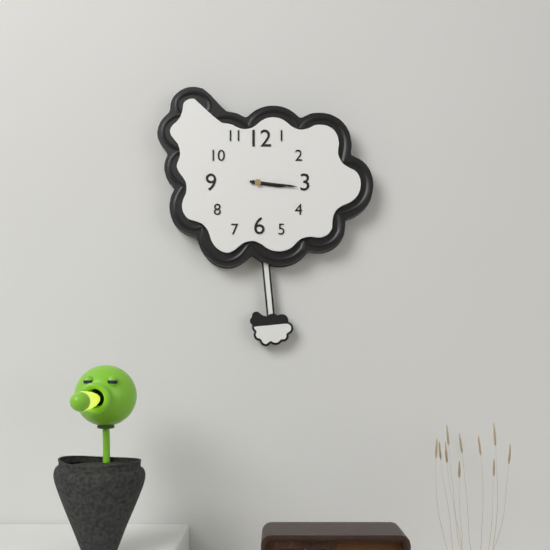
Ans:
**3:16**
